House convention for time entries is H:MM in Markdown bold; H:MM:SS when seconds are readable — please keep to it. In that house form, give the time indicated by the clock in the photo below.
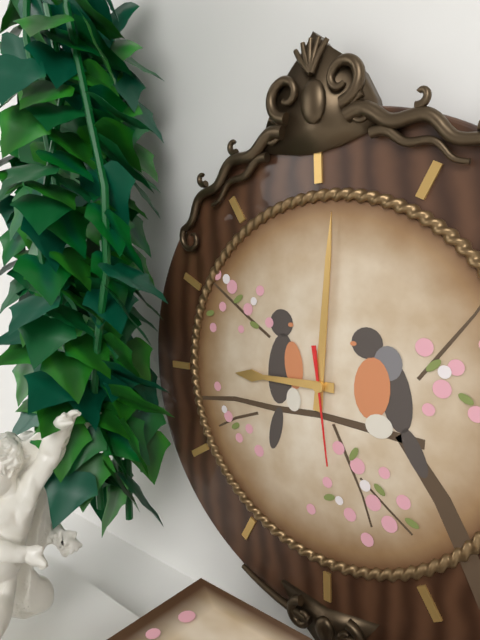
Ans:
**9:01:29**
